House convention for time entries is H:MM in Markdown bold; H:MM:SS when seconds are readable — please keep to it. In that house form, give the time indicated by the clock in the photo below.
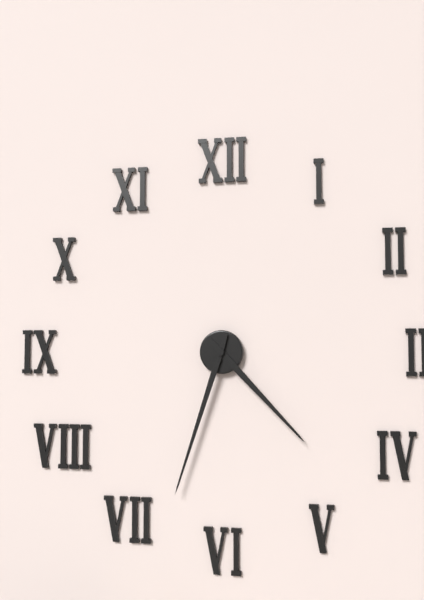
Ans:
**4:33**
